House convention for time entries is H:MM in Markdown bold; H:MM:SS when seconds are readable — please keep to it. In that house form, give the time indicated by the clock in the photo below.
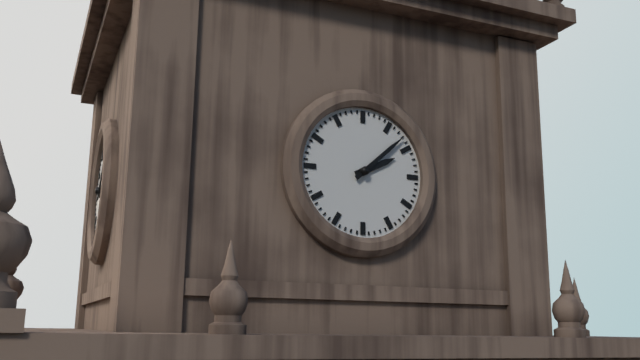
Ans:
**2:08**
